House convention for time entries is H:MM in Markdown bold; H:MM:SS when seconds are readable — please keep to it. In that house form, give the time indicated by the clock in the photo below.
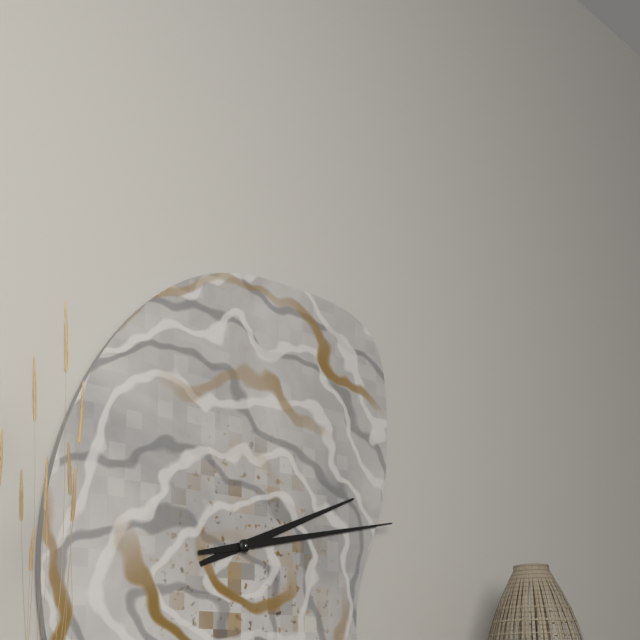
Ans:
**2:13**
